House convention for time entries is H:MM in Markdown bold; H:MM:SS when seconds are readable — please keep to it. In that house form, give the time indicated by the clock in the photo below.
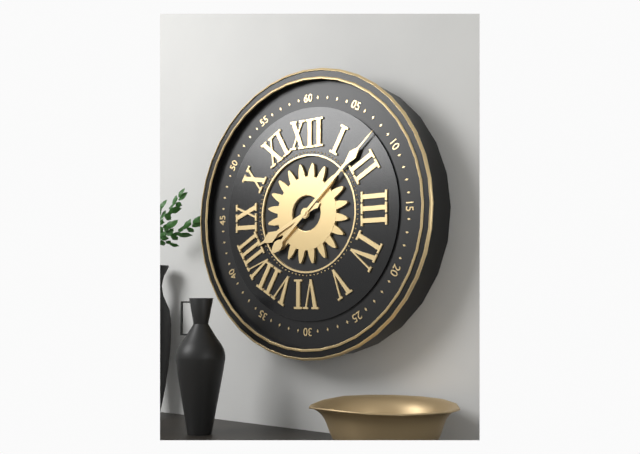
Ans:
**8:08**
